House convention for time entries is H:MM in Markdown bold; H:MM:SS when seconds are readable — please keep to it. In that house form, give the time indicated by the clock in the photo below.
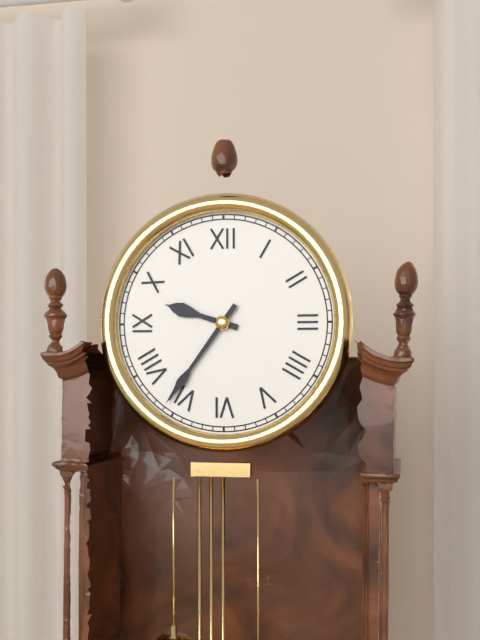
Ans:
**9:36**
